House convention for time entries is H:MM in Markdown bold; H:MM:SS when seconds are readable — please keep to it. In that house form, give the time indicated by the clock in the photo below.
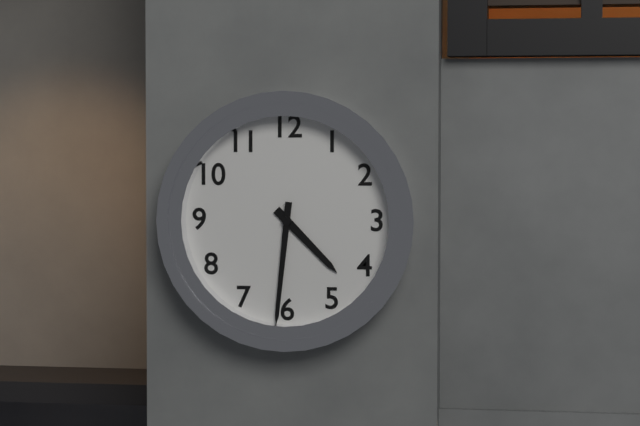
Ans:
**4:31**
